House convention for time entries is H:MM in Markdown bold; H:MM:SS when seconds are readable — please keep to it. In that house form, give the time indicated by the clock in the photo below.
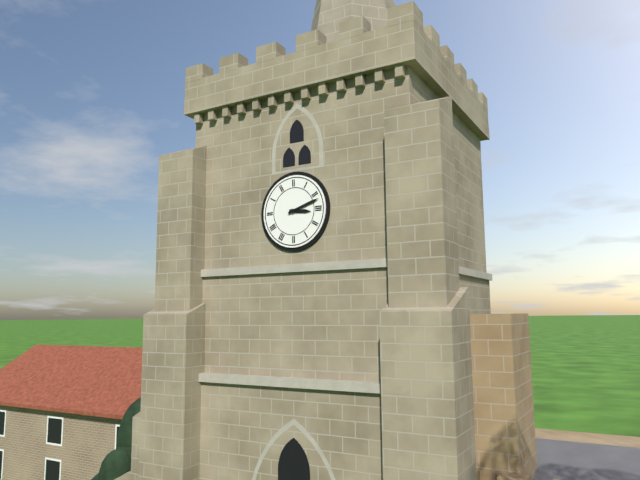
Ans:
**3:12**
